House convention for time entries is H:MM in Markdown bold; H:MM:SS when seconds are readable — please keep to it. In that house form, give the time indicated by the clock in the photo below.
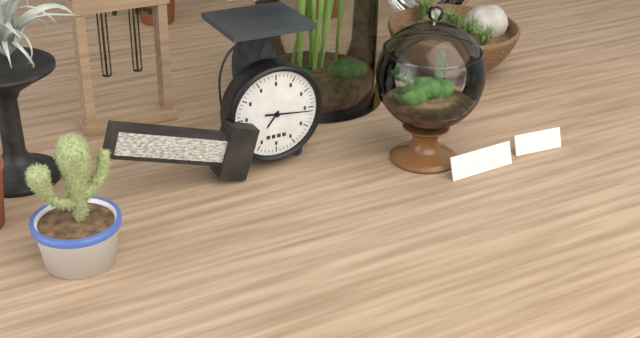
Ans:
**7:16**
